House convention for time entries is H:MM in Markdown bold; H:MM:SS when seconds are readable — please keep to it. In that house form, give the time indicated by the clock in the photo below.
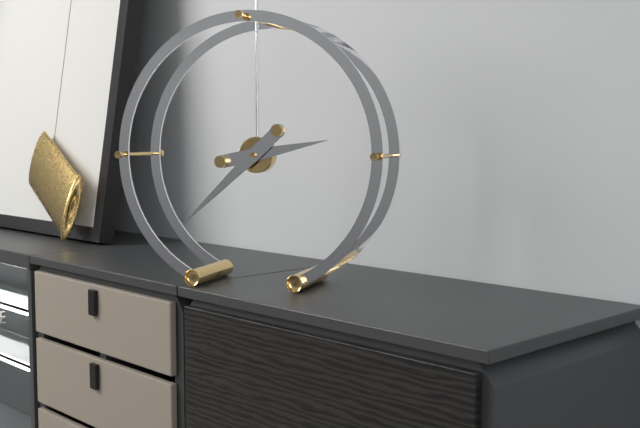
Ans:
**2:38**
